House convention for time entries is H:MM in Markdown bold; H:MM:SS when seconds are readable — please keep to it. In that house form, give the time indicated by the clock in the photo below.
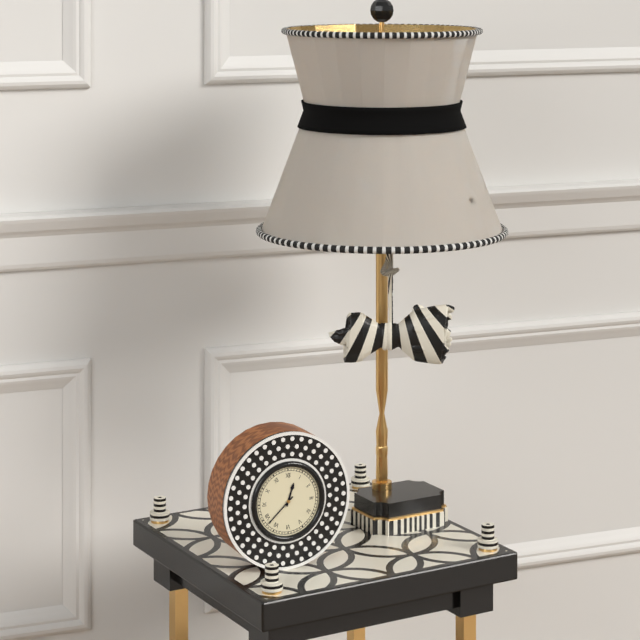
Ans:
**12:38**
